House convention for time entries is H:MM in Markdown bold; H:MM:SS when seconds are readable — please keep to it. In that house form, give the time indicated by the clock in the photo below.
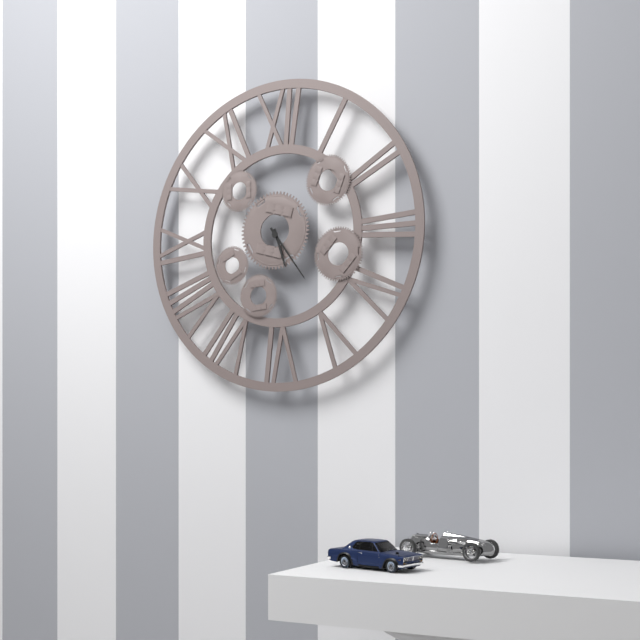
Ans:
**5:24**
